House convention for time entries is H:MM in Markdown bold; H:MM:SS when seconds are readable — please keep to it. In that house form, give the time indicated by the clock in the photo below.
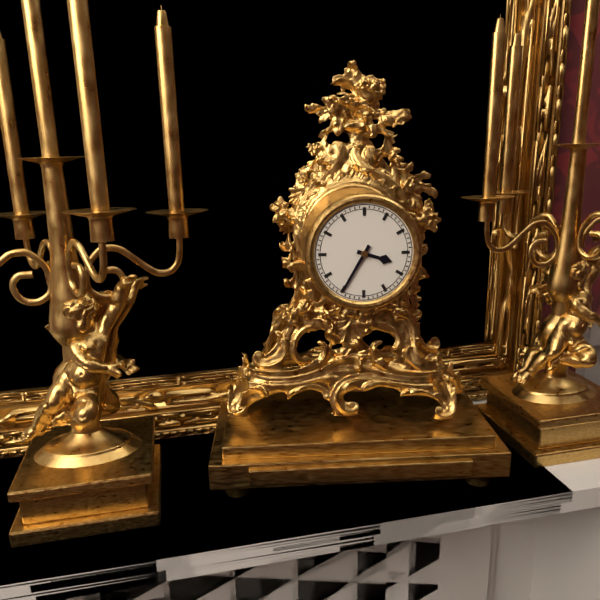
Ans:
**3:35**
